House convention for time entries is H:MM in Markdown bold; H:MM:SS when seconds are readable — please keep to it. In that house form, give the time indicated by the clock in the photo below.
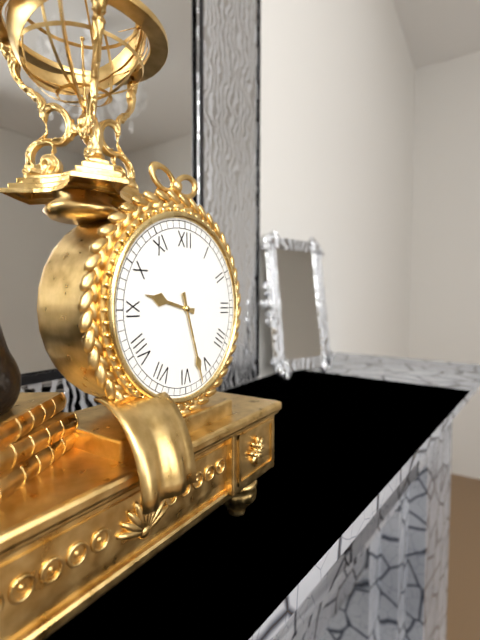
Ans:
**9:27**
